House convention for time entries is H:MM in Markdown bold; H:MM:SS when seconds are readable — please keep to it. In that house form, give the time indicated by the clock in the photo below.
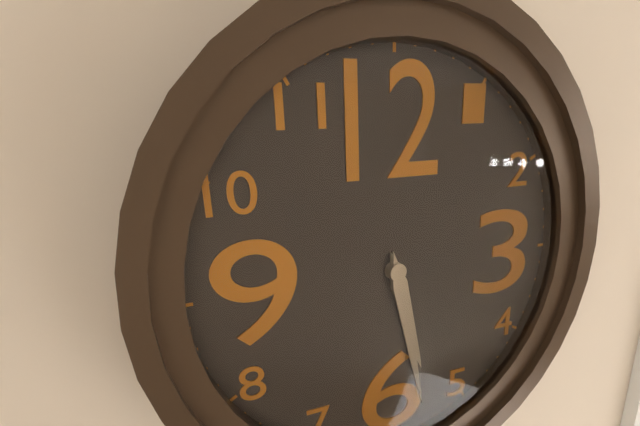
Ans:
**5:28**
